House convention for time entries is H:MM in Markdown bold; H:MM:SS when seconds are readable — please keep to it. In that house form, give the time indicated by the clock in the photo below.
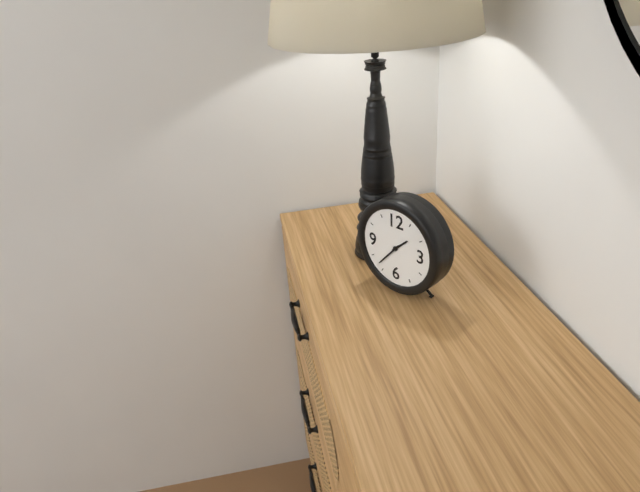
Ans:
**1:37**
